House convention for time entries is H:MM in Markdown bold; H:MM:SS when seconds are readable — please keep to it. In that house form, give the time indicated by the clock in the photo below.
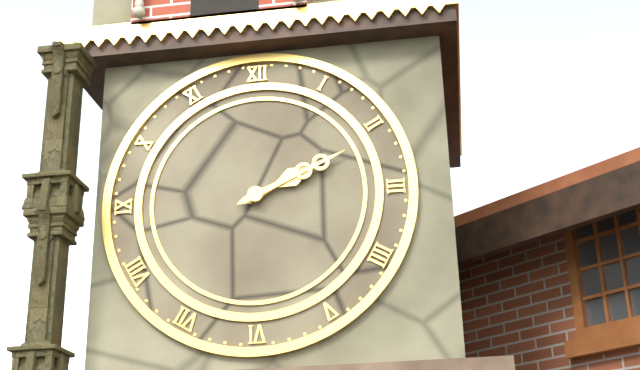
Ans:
**2:11**
